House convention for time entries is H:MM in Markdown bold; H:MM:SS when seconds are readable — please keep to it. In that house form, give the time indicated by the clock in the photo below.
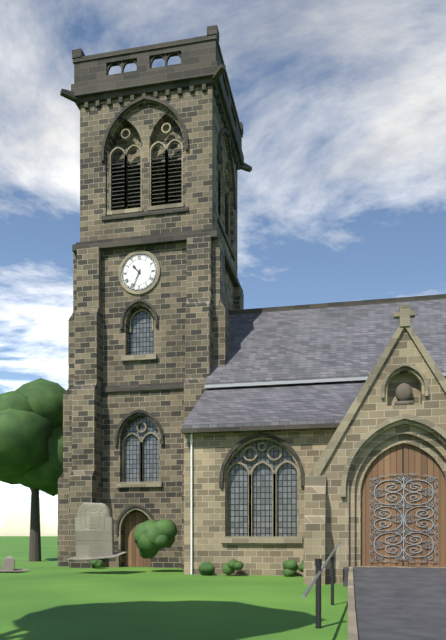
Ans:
**10:34**
